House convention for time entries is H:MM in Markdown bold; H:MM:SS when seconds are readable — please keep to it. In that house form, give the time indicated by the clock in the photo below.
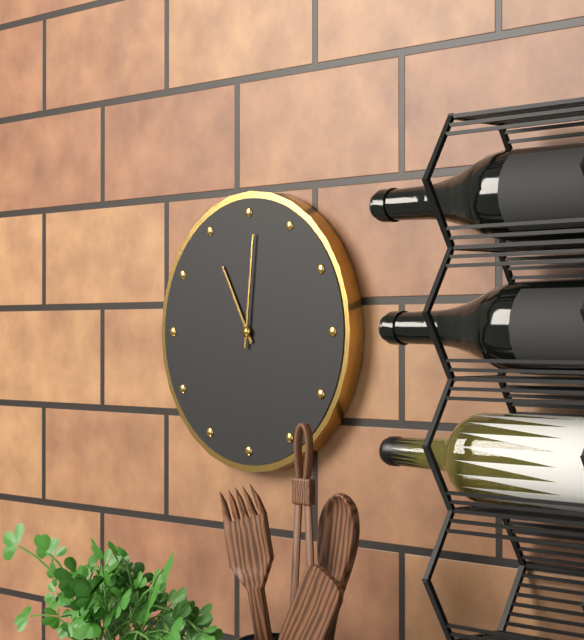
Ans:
**11:01**
